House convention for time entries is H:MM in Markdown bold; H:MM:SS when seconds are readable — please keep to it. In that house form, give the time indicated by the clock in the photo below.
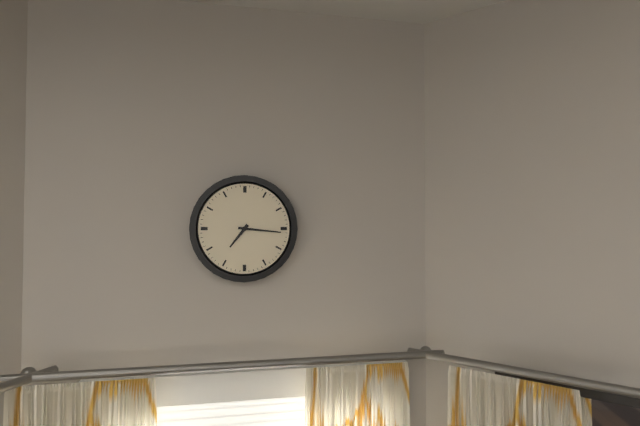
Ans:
**7:16**
